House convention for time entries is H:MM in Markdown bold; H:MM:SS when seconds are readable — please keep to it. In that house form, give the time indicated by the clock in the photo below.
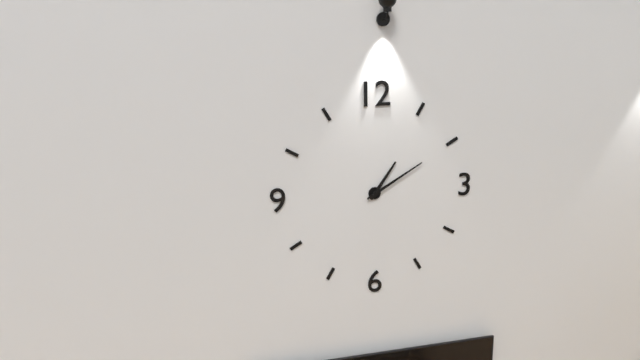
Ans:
**1:10**
